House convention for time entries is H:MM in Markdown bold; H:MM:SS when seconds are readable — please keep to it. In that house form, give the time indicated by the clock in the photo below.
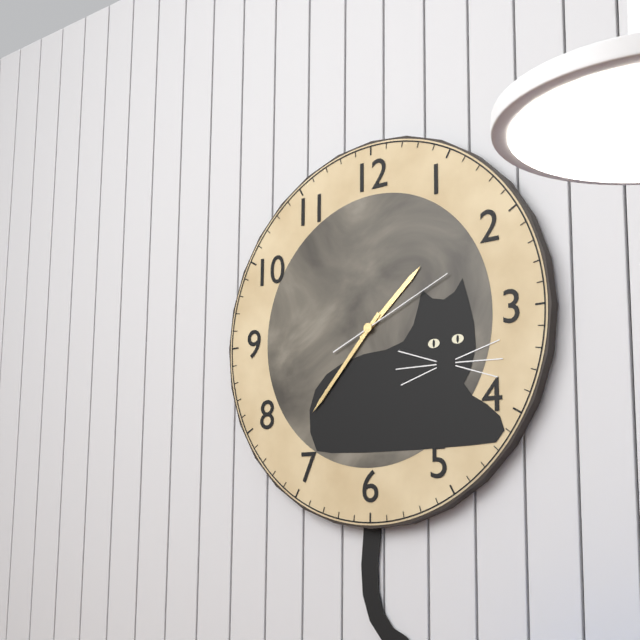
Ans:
**1:37:11**
